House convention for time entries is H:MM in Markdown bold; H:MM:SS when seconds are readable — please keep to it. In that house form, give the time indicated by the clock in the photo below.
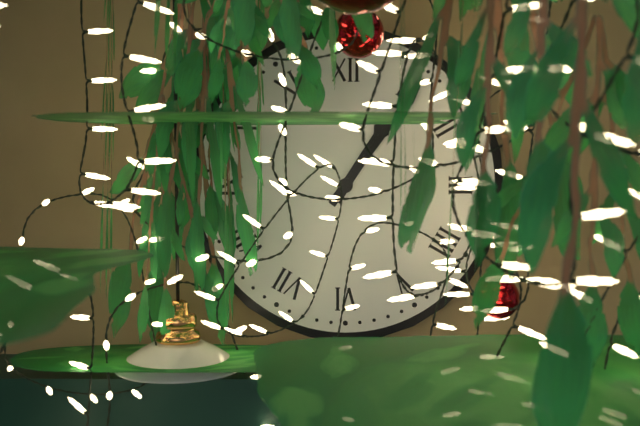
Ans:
**1:06**
